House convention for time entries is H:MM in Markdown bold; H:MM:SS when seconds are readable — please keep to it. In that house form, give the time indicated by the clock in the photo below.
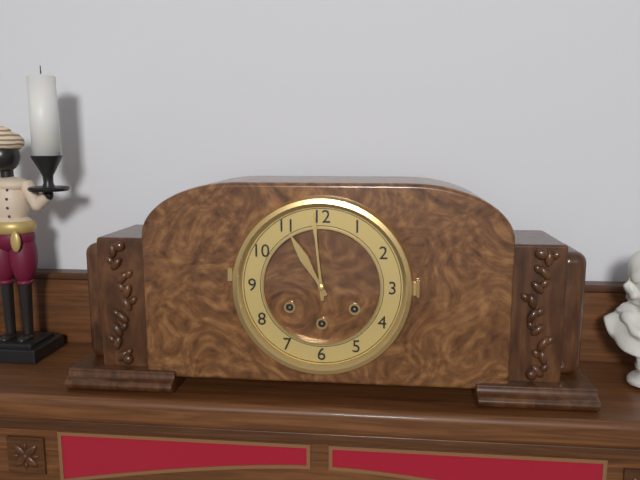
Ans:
**10:59**
